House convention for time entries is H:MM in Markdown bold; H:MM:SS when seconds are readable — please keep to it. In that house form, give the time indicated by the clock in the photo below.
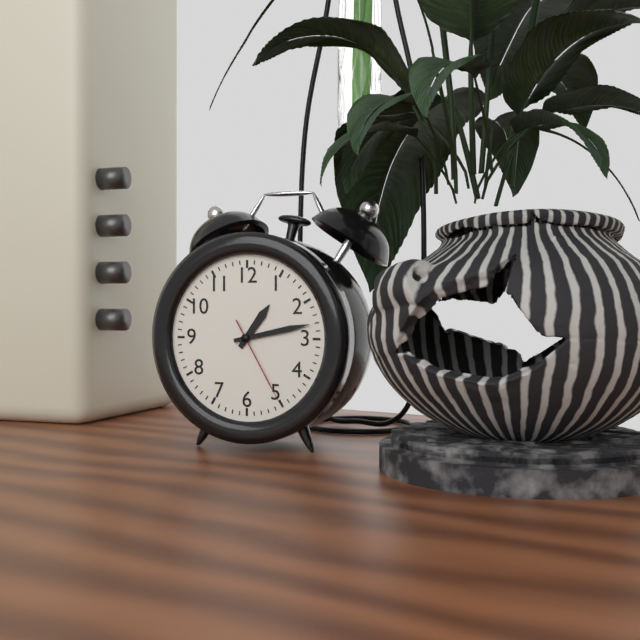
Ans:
**1:13:25**
